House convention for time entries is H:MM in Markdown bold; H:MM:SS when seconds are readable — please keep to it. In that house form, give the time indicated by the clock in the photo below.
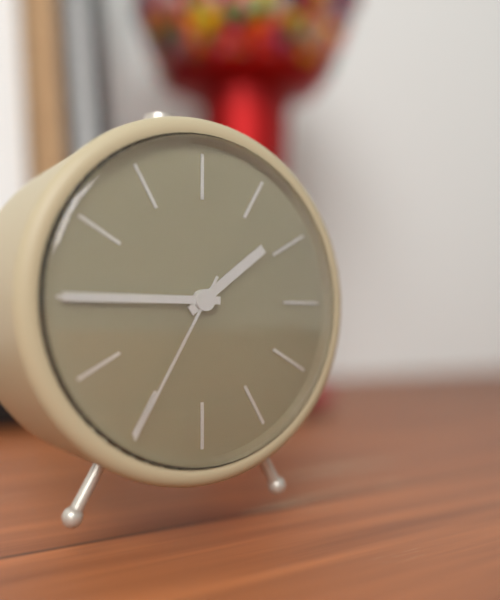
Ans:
**1:45:35**
